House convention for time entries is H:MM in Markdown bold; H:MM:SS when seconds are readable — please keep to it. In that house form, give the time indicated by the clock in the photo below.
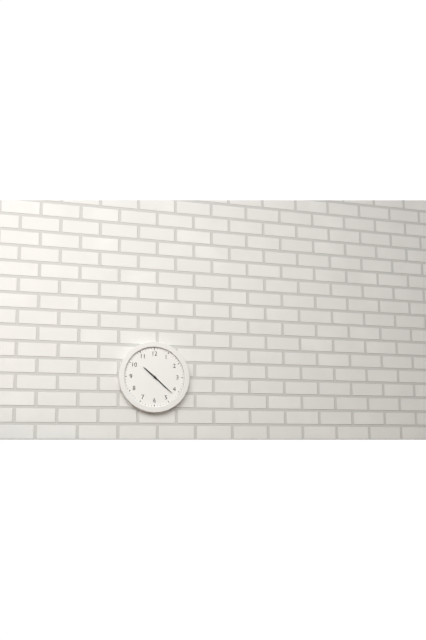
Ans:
**10:22**
